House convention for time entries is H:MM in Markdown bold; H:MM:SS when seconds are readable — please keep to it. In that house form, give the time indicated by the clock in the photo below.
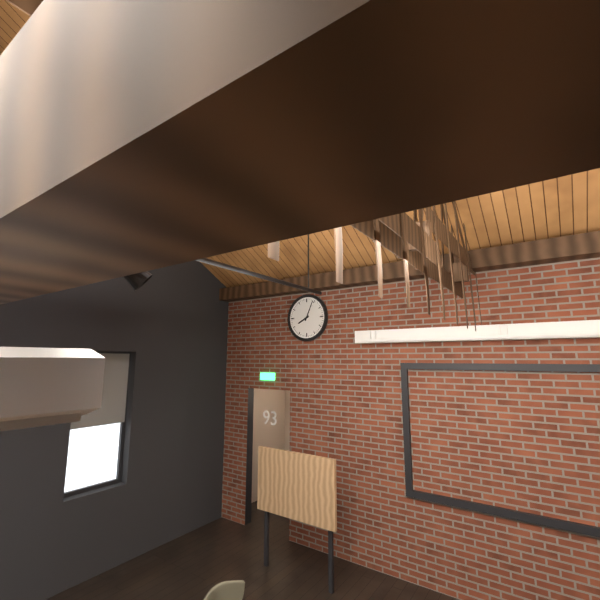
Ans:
**8:04**
